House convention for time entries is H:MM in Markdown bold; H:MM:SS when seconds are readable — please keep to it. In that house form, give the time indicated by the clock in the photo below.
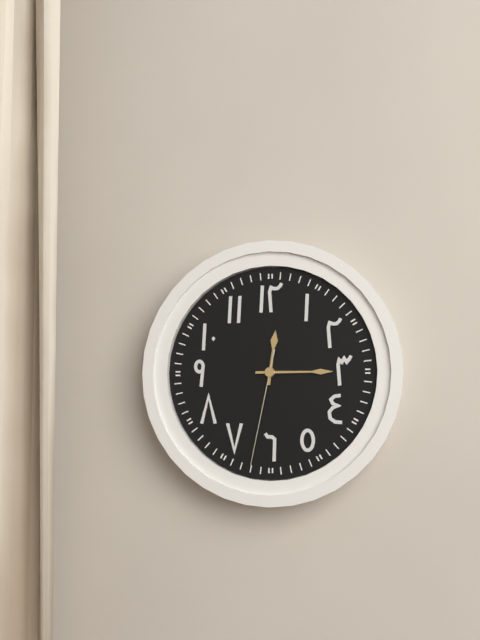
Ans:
**12:15:32**
